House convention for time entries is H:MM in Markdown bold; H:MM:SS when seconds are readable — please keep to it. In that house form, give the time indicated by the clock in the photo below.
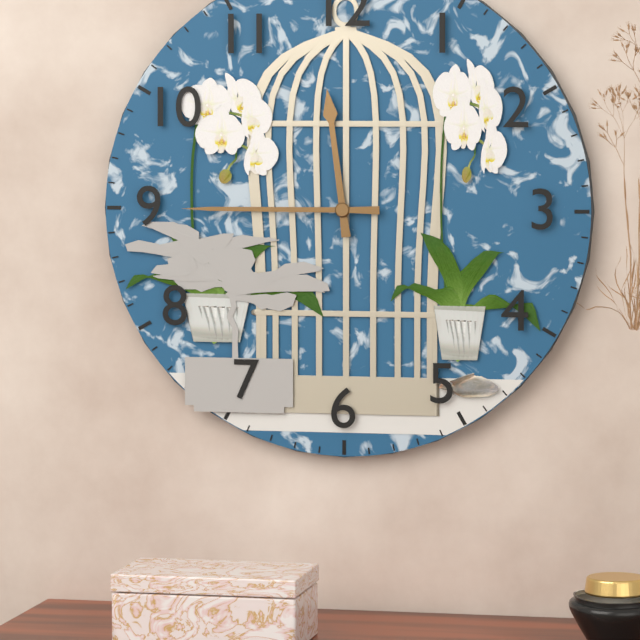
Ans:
**11:45**
